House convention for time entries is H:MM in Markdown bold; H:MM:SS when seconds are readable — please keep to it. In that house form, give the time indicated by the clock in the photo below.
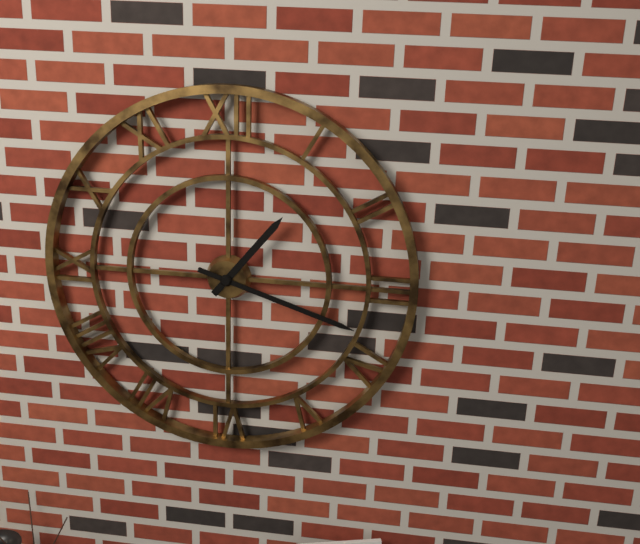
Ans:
**1:18**
